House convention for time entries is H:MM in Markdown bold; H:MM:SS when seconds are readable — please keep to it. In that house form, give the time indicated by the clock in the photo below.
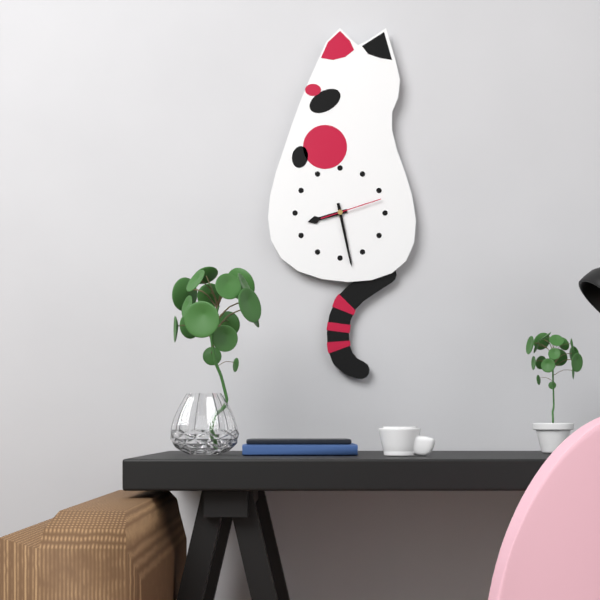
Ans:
**8:28:12**
